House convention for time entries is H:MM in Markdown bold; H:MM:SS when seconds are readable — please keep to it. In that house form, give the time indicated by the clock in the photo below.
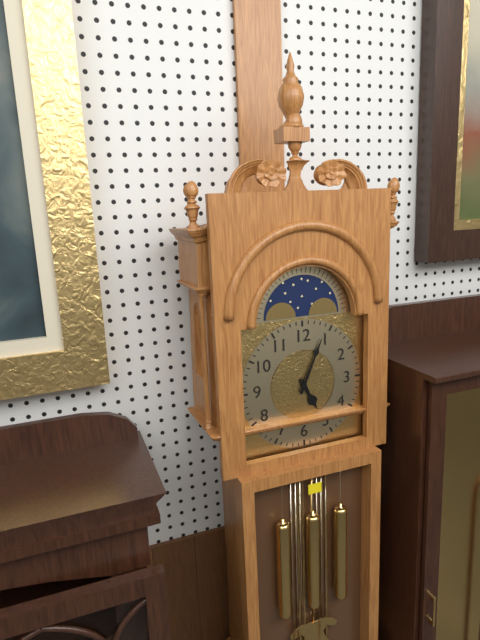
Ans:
**5:04**
